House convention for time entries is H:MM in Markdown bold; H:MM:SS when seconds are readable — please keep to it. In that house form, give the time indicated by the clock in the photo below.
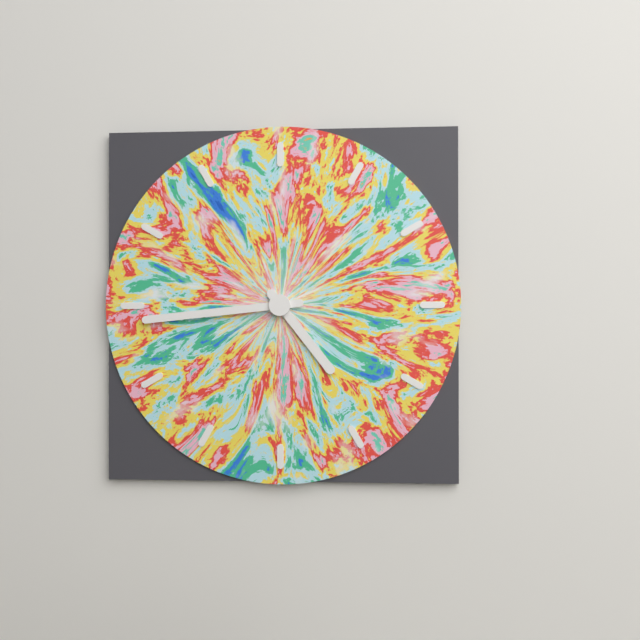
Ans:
**4:44**
